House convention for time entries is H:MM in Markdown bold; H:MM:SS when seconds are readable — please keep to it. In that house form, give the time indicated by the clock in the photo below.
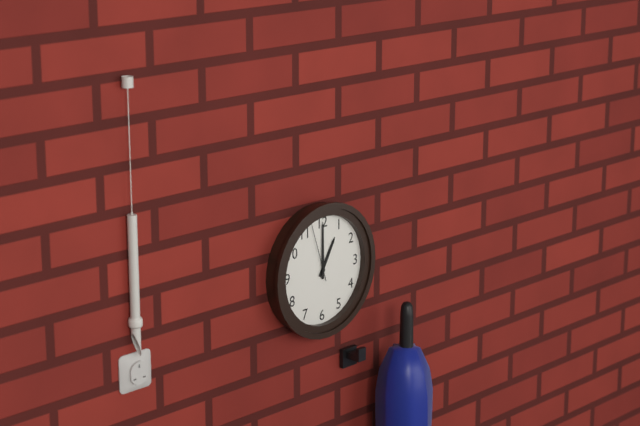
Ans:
**1:00:57**
